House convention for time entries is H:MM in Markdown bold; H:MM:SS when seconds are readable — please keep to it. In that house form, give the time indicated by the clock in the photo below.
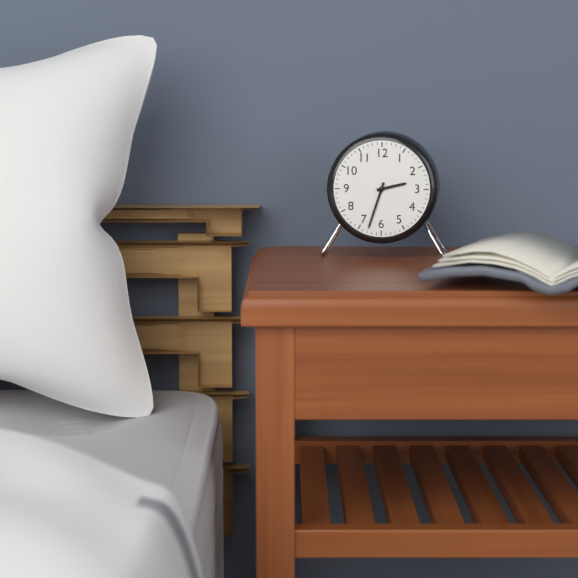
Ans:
**2:33**
